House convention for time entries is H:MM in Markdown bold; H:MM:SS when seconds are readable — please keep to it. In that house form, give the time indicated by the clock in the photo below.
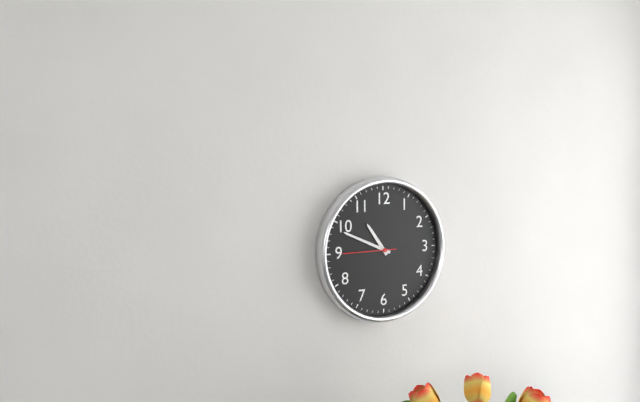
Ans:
**10:49**
